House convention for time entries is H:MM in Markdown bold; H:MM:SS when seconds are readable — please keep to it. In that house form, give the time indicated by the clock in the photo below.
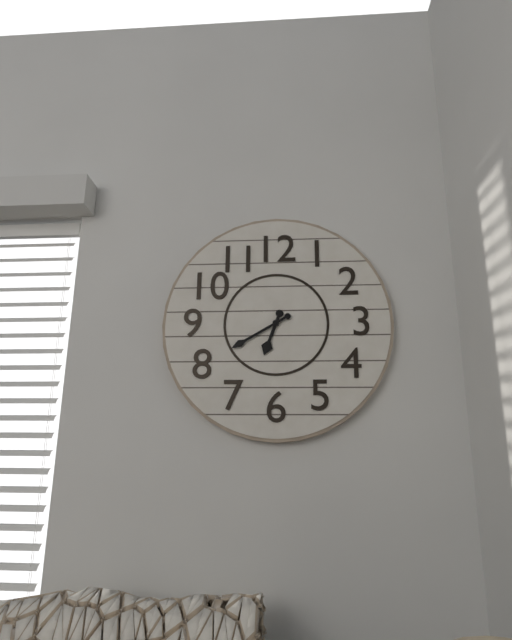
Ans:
**6:40**
